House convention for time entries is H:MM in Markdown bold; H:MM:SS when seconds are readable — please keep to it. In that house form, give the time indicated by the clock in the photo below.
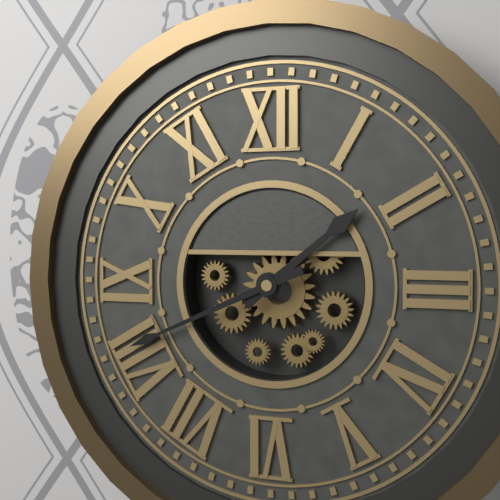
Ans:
**1:41**
